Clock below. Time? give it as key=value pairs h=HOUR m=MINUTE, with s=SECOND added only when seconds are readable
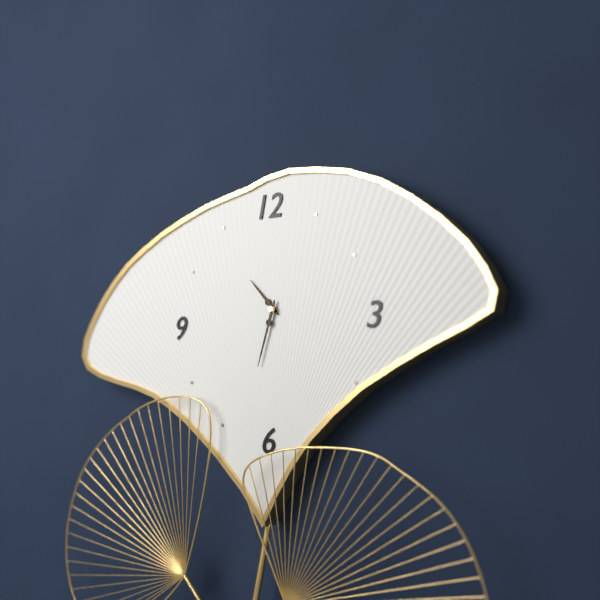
h=10 m=33
